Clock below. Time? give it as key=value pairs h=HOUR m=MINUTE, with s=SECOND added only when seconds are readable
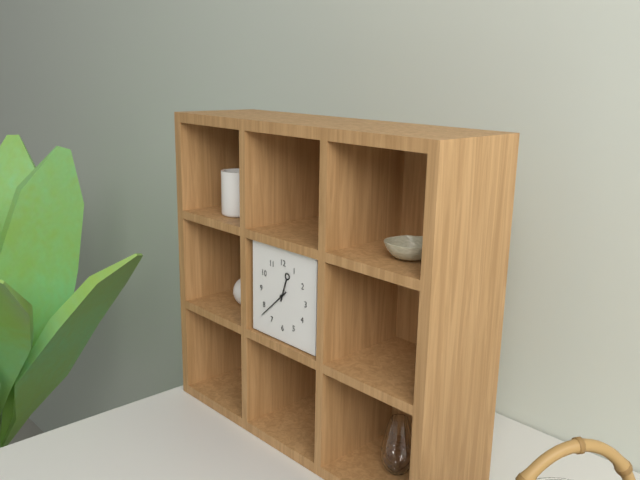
h=12 m=38
